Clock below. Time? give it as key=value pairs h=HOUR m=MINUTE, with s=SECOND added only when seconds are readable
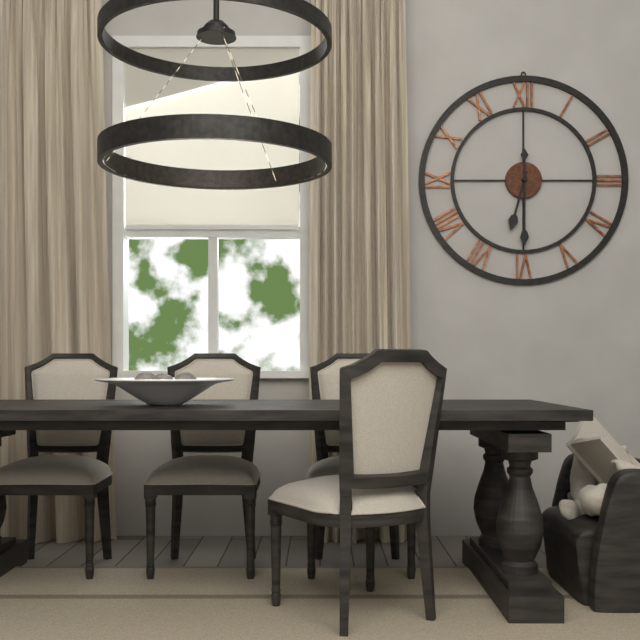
h=6 m=30
